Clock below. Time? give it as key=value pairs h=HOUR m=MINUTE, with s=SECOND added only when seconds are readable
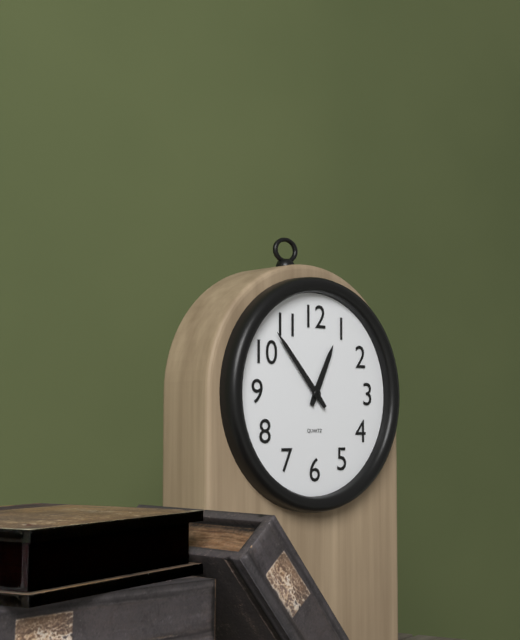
h=12 m=53
